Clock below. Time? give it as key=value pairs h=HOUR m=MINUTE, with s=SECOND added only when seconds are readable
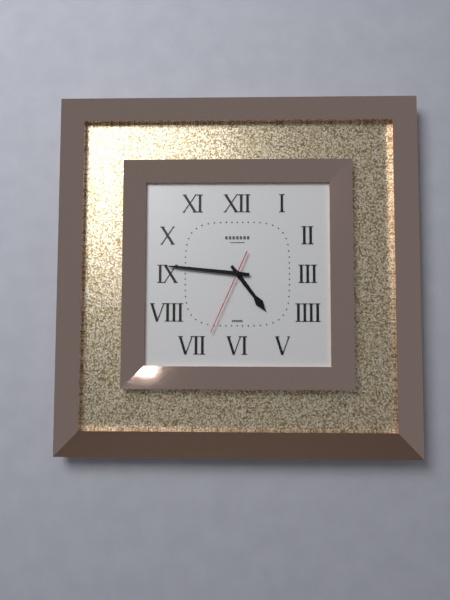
h=4 m=46 s=34
